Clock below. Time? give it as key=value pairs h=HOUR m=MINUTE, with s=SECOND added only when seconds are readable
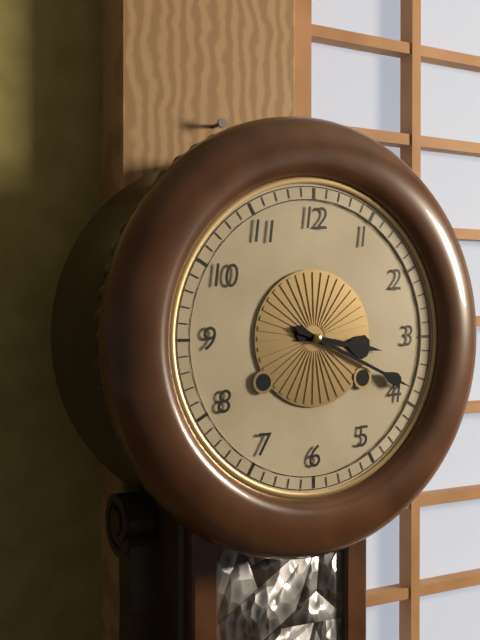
h=3 m=19
